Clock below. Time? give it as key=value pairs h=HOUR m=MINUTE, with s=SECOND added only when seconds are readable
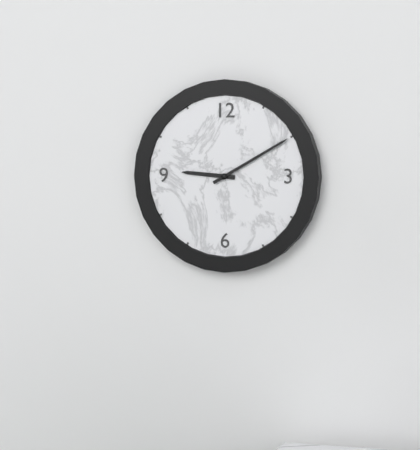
h=9 m=10
